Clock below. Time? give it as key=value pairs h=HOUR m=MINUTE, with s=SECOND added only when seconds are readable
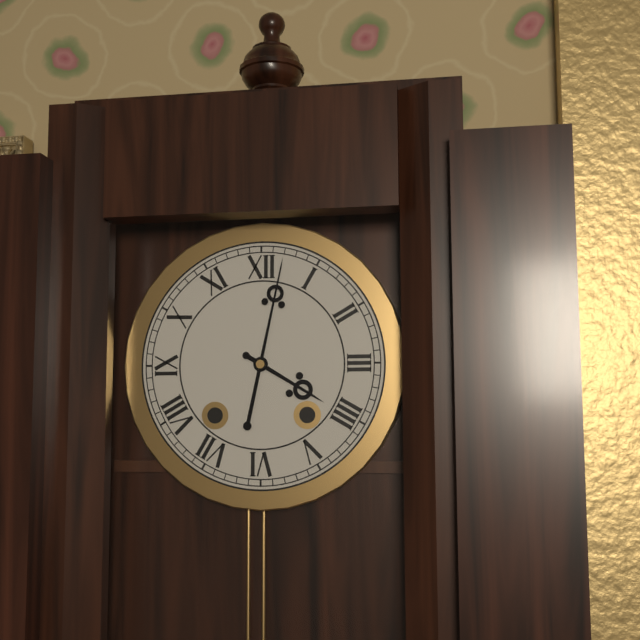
h=4 m=2
